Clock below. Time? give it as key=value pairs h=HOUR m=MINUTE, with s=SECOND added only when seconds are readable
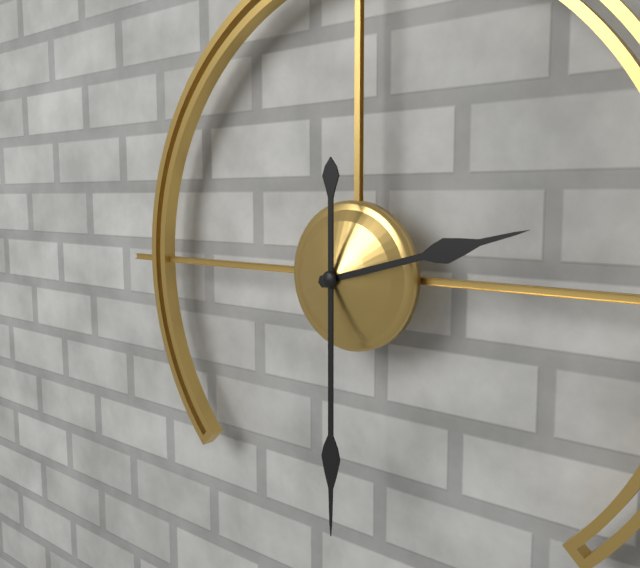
h=2 m=30
